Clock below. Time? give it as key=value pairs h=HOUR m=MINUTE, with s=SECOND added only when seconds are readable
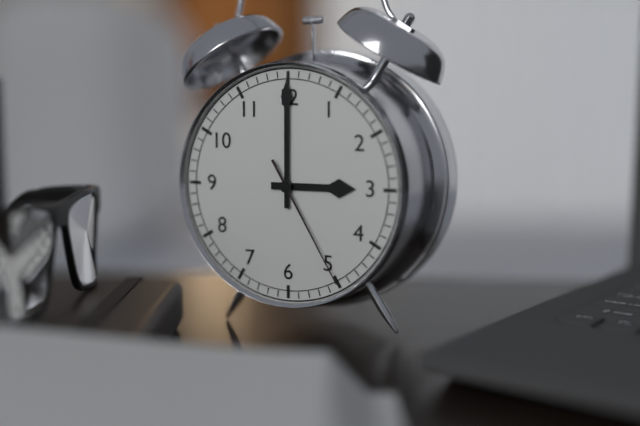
h=3 m=0 s=25
